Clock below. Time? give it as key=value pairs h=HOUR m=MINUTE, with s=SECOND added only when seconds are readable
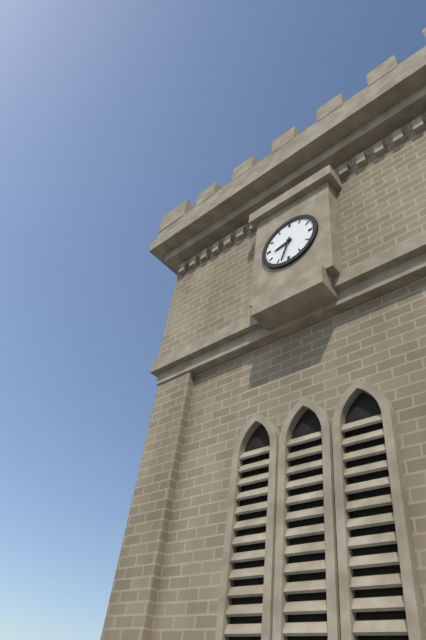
h=8 m=33
